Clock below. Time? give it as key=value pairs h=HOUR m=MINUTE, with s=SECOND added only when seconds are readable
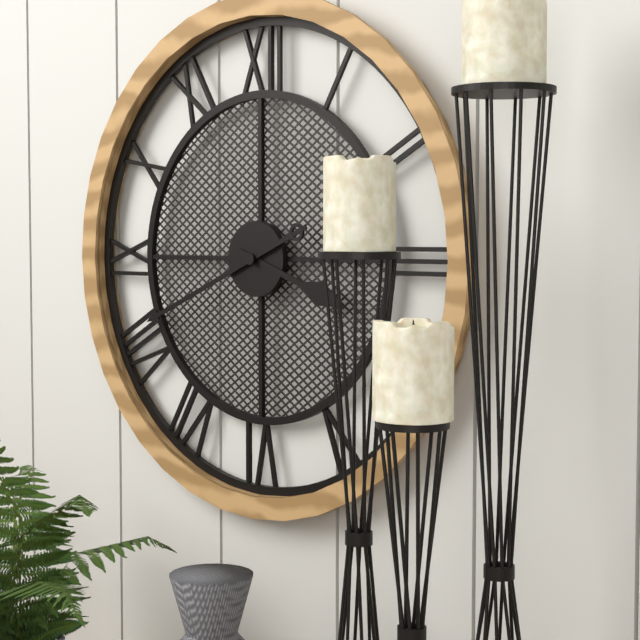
h=3 m=41
